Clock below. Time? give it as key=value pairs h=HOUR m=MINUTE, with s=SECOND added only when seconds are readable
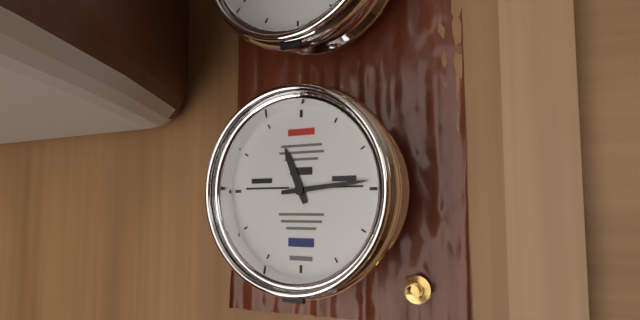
h=11 m=14
